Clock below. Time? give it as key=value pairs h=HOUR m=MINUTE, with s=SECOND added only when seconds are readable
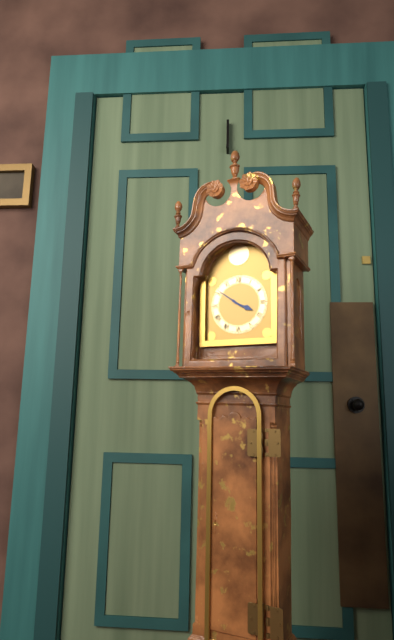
h=3 m=51
